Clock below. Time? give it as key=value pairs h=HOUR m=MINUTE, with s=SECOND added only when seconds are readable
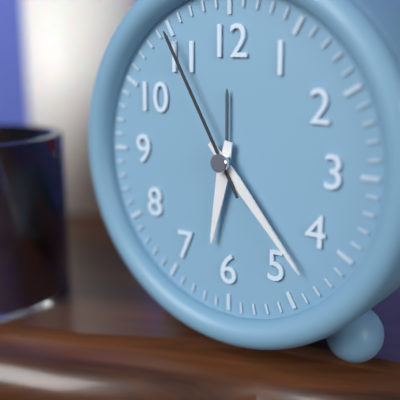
h=6 m=23 s=55
